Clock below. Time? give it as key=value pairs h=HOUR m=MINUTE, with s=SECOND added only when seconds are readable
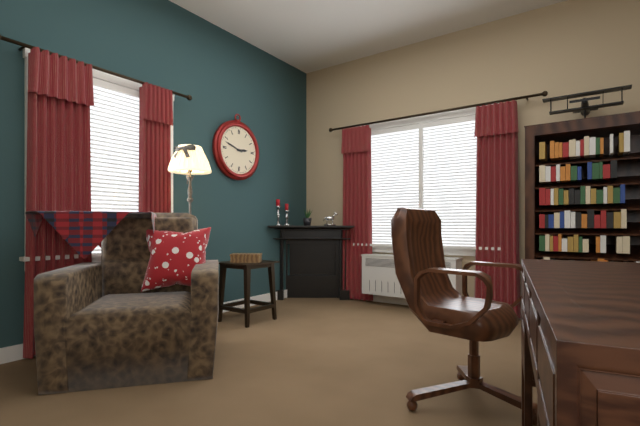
h=2 m=48
